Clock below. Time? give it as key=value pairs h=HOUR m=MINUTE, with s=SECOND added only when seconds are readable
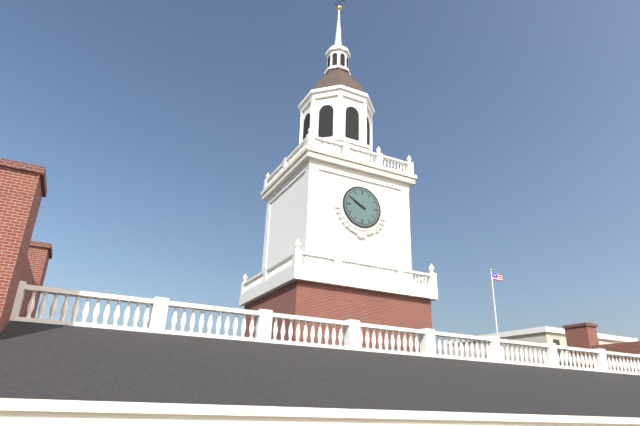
h=9 m=50
